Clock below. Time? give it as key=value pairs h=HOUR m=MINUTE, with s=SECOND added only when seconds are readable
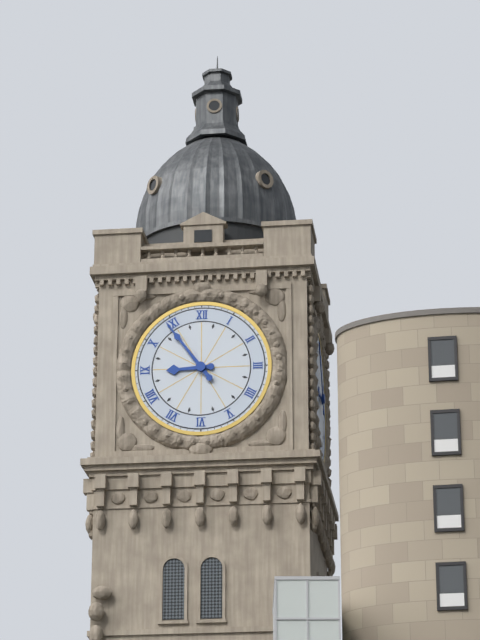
h=8 m=54
